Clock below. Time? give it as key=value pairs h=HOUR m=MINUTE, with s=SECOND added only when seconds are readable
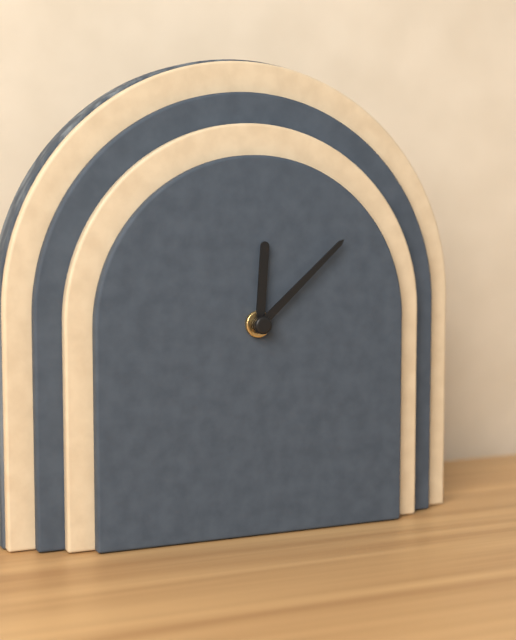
h=12 m=8
